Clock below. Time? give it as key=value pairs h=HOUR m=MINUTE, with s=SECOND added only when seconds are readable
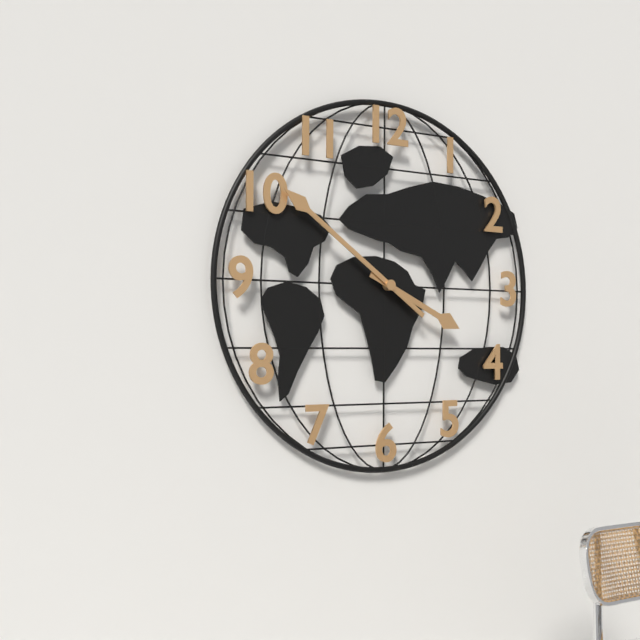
h=3 m=51
